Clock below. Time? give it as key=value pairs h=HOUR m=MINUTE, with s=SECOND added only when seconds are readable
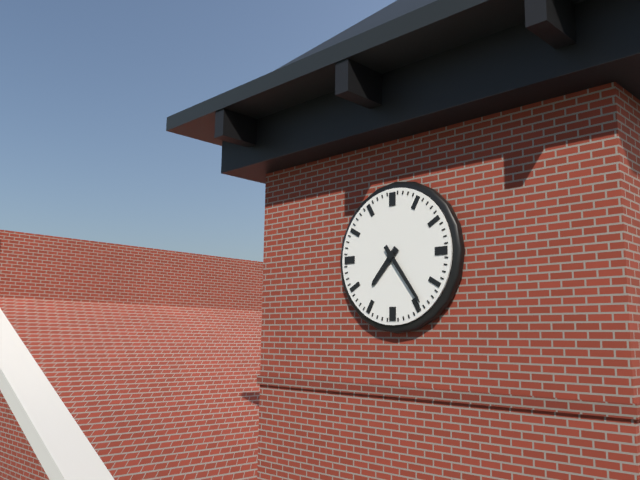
h=7 m=24
